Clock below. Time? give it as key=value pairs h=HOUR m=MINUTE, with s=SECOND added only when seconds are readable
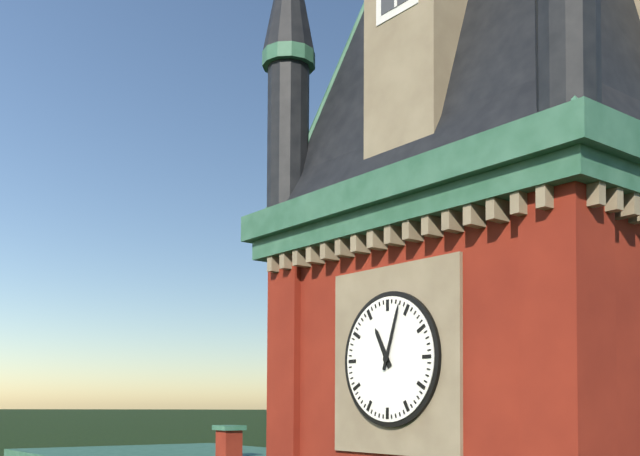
h=11 m=3
